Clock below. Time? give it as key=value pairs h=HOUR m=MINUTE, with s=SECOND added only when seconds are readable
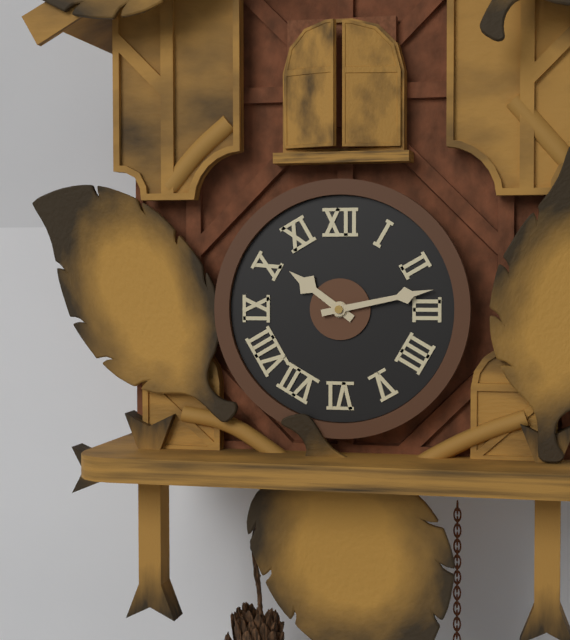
h=10 m=13
